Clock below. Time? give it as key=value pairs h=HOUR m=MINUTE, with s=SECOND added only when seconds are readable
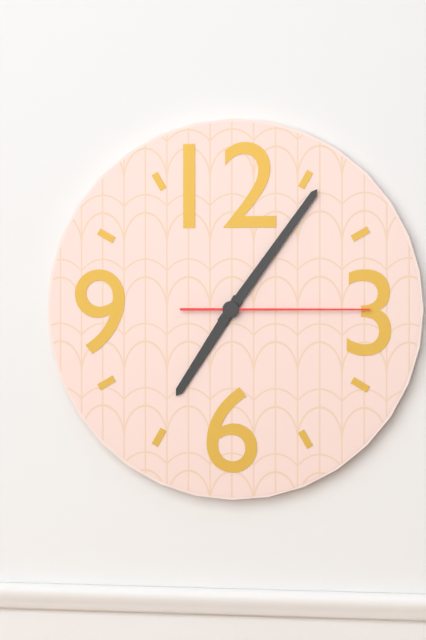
h=7 m=6 s=15
